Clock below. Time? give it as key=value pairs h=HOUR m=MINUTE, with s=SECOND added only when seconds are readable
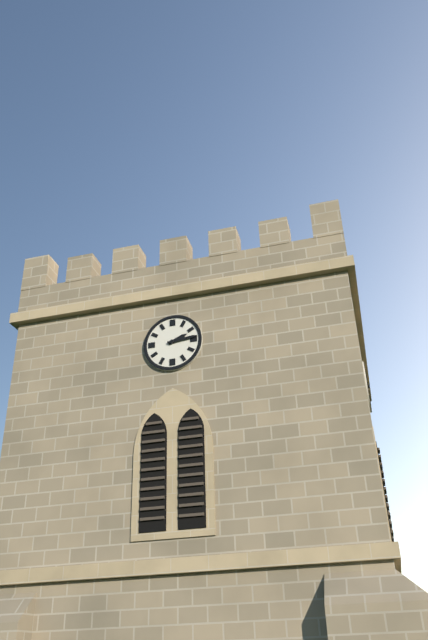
h=2 m=14
